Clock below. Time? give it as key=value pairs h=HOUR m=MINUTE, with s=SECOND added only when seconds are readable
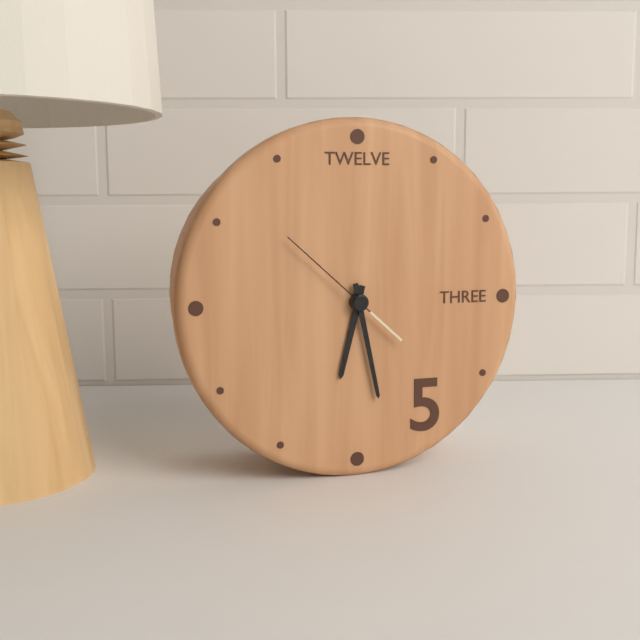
h=6 m=28 s=52
